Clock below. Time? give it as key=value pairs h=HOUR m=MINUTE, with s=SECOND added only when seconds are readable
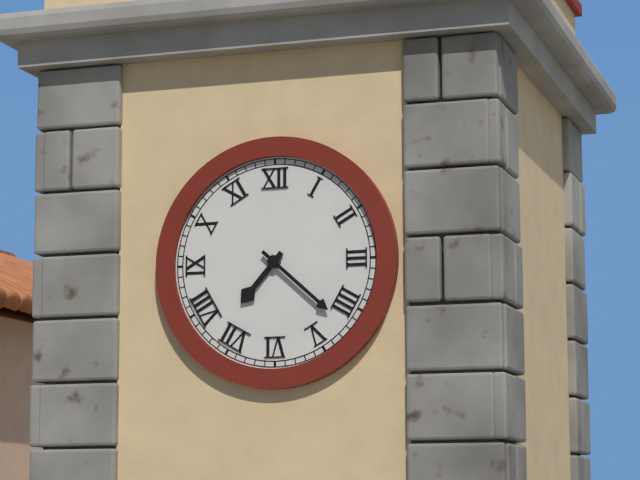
h=7 m=22
